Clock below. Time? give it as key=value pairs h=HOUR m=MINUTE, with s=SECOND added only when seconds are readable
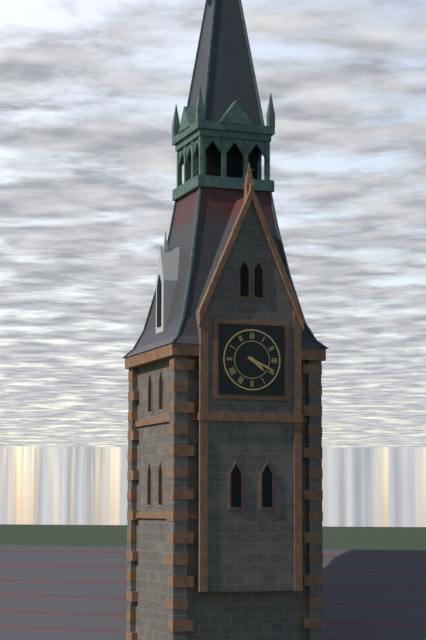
h=4 m=19
